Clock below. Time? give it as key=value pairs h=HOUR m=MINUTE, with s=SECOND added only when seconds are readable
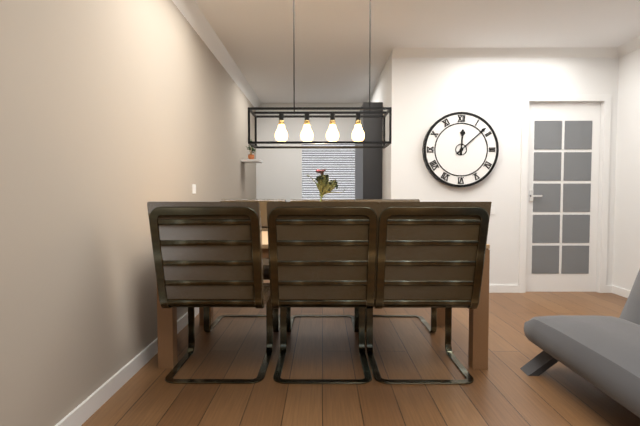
h=12 m=8
